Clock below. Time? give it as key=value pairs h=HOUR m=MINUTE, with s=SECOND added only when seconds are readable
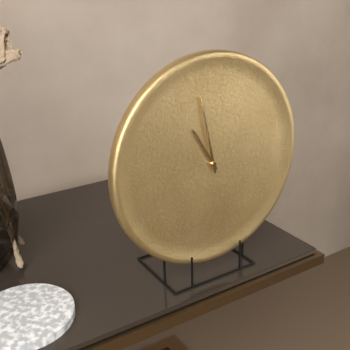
h=10 m=58
